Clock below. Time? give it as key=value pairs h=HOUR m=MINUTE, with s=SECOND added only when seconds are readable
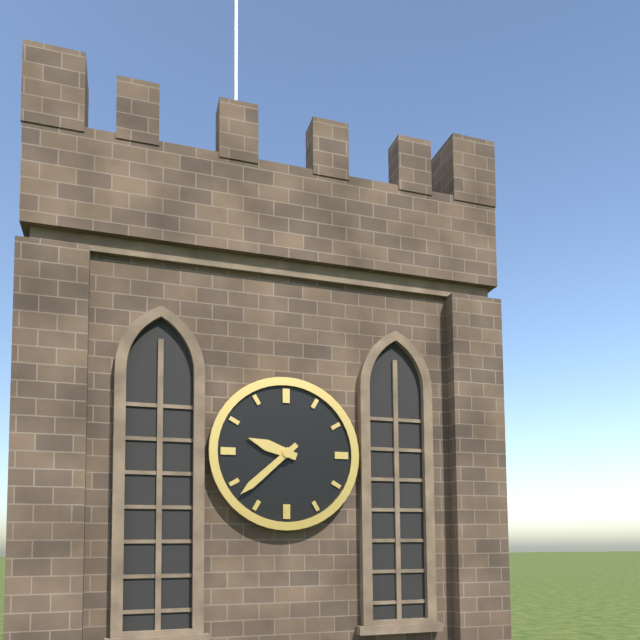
h=9 m=38
